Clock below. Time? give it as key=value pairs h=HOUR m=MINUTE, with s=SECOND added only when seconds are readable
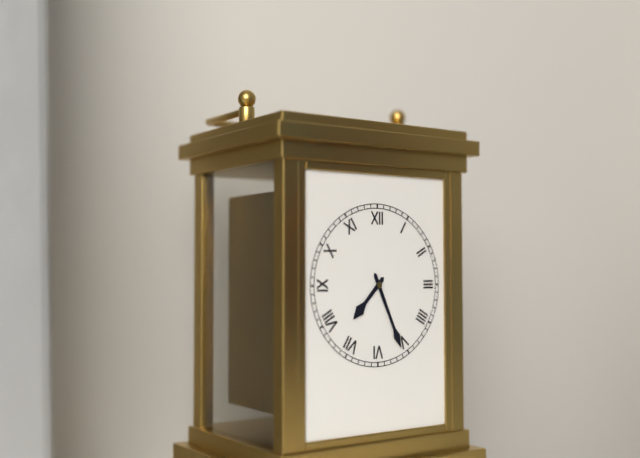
h=7 m=26
